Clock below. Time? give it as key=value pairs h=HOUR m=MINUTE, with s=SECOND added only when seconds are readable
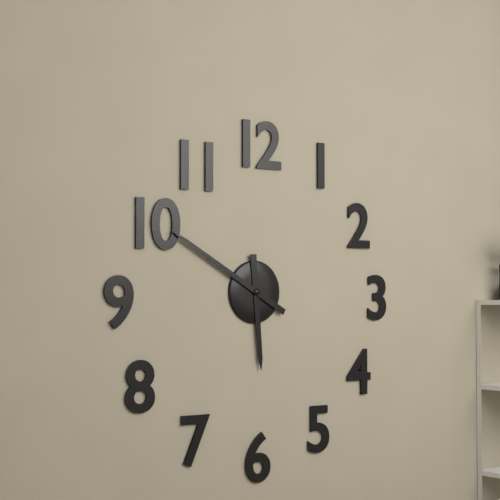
h=5 m=50
